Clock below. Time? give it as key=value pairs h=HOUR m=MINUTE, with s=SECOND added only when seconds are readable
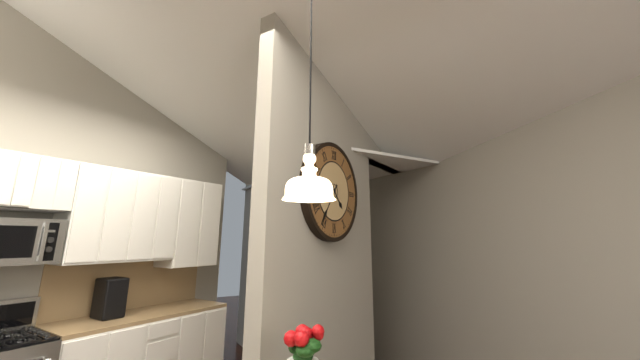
h=4 m=36
